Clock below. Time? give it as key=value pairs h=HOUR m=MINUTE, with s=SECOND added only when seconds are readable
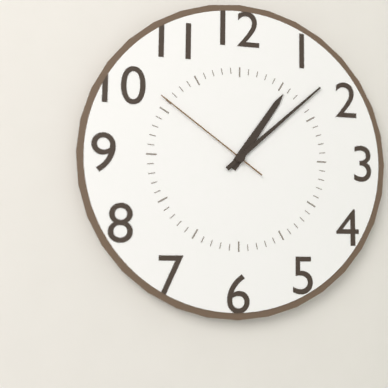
h=1 m=8 s=51
